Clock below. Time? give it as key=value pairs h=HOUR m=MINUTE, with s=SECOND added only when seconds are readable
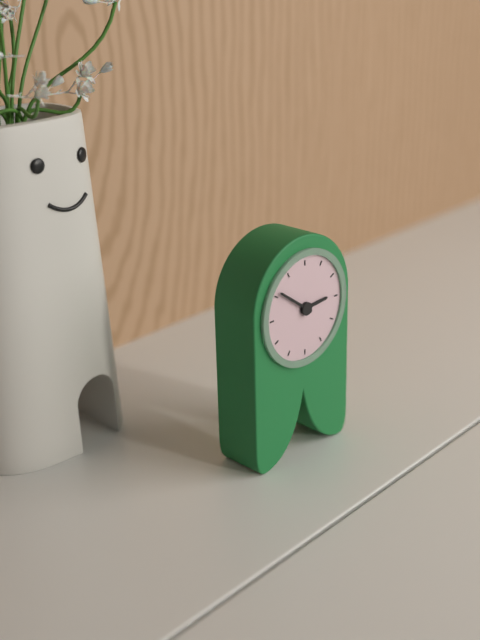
h=2 m=51
